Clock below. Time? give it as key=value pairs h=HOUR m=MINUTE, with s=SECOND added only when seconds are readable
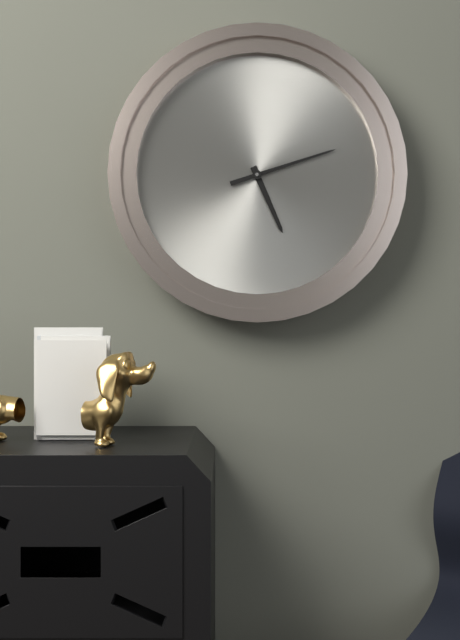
h=5 m=12
